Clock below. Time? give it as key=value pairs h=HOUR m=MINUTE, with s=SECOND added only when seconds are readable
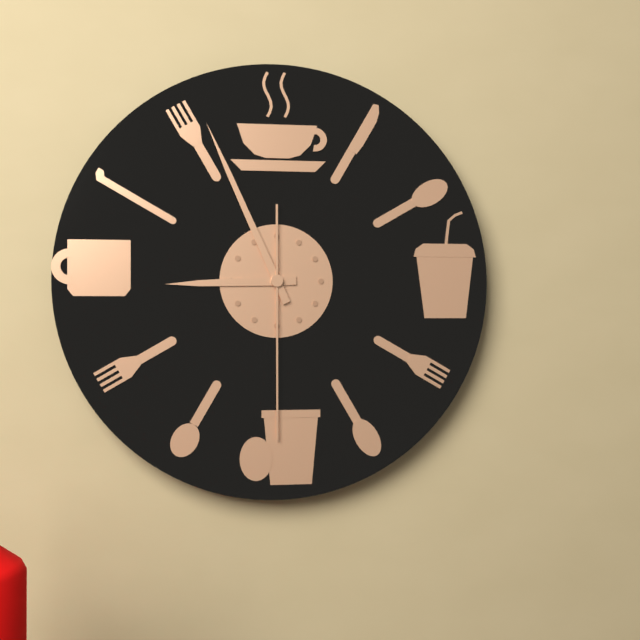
h=8 m=56 s=30
